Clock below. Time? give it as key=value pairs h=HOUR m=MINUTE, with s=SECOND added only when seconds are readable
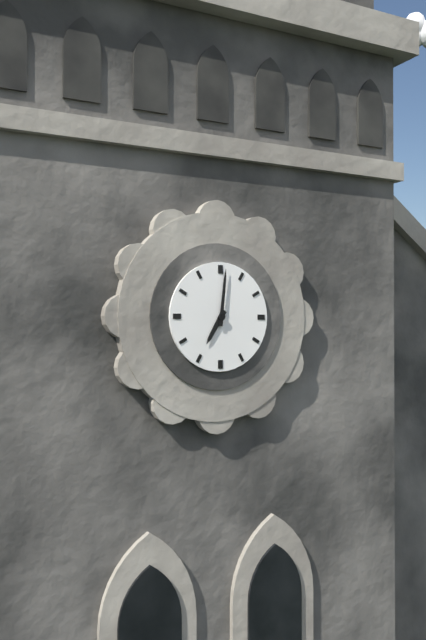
h=7 m=1
